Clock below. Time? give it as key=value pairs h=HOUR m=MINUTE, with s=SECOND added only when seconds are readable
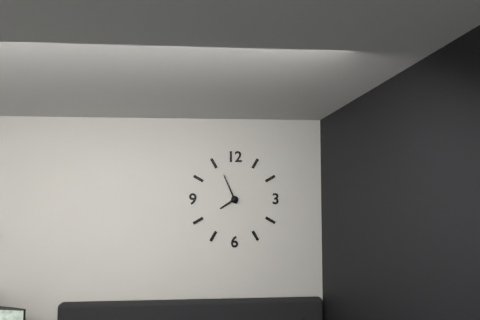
h=7 m=56
